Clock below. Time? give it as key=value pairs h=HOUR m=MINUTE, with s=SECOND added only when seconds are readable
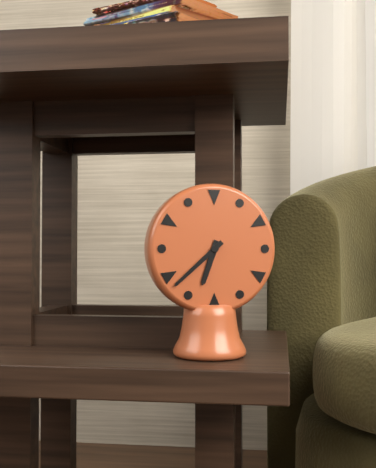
h=6 m=38
